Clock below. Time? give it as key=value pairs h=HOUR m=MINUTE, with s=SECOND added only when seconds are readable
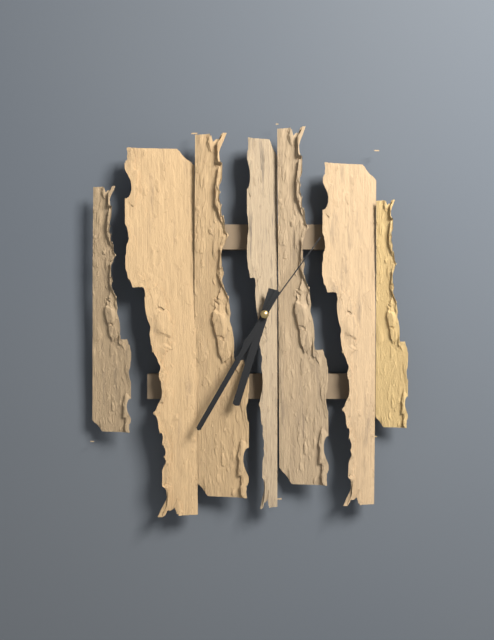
h=6 m=35 s=6
